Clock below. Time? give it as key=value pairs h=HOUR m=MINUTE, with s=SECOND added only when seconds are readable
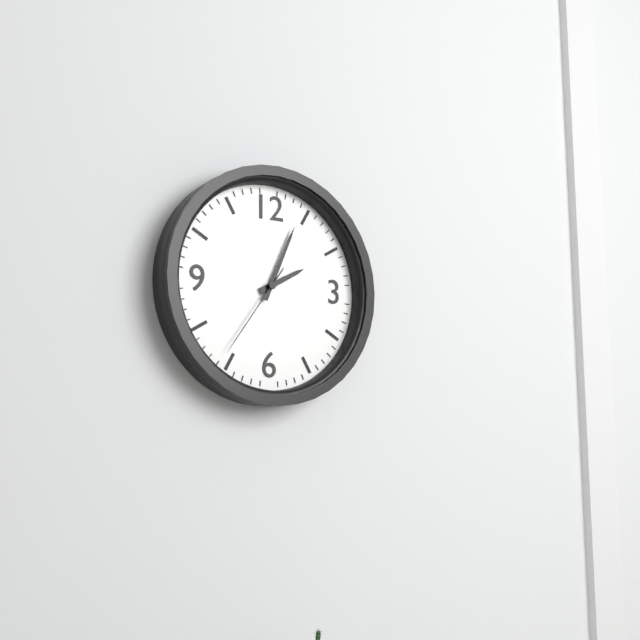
h=2 m=4 s=36
